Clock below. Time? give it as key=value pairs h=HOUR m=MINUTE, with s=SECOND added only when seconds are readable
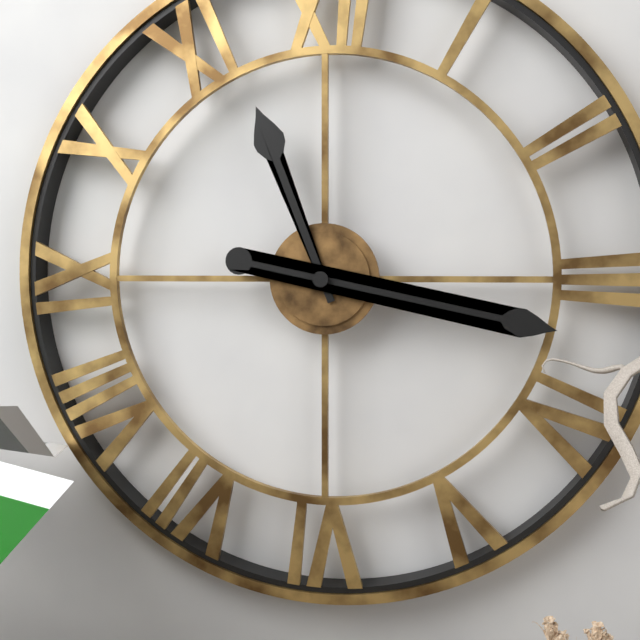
h=11 m=17
